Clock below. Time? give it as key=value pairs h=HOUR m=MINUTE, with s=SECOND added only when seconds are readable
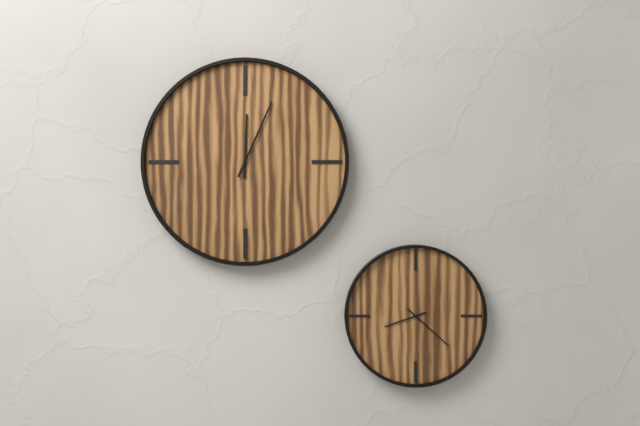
h=12 m=4
